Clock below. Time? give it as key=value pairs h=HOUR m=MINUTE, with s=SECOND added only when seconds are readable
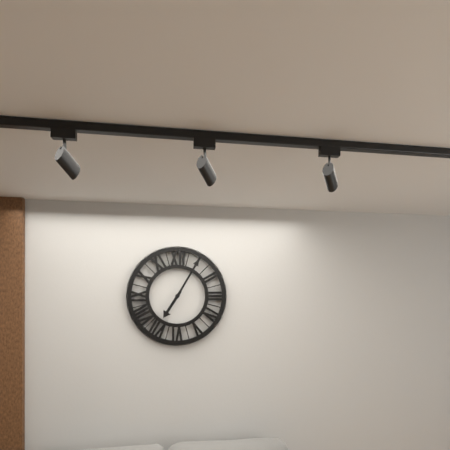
h=7 m=5
